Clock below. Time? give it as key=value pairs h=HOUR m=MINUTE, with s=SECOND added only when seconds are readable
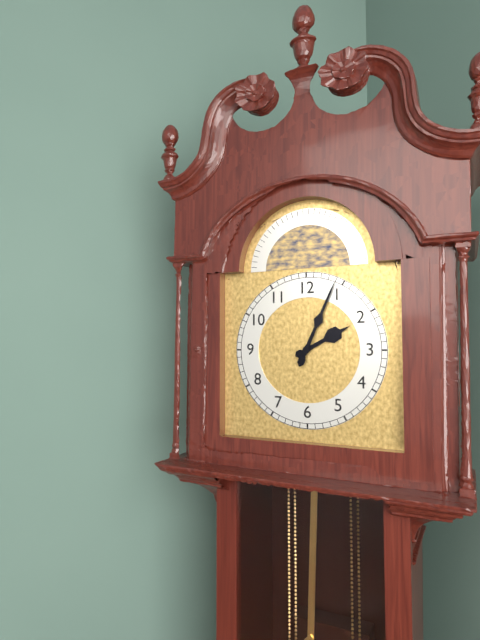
h=2 m=4
